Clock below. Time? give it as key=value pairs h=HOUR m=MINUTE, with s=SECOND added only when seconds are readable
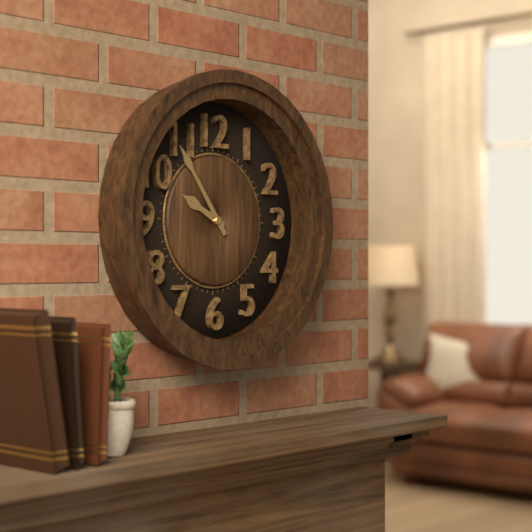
h=9 m=54
